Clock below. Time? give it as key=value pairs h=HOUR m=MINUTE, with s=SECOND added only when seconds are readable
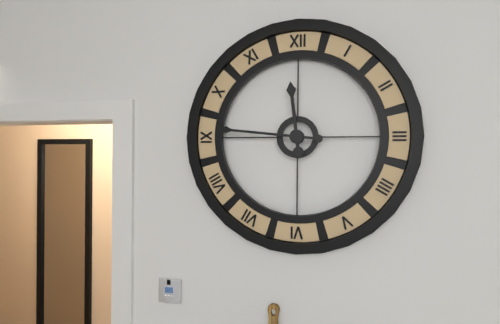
h=11 m=46
